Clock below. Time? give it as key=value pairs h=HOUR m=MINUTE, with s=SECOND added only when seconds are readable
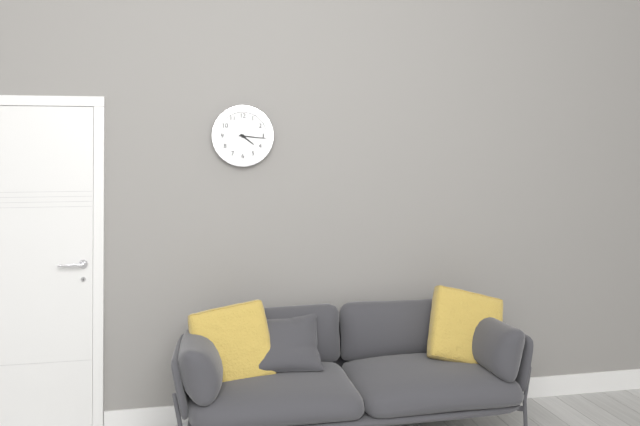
h=4 m=16
